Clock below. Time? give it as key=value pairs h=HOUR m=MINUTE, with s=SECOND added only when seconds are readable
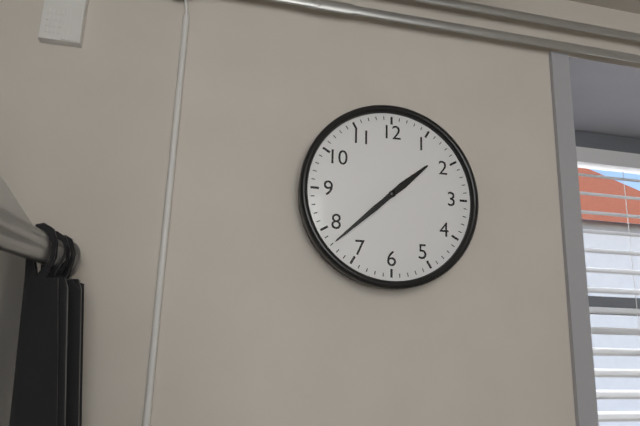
h=1 m=38
